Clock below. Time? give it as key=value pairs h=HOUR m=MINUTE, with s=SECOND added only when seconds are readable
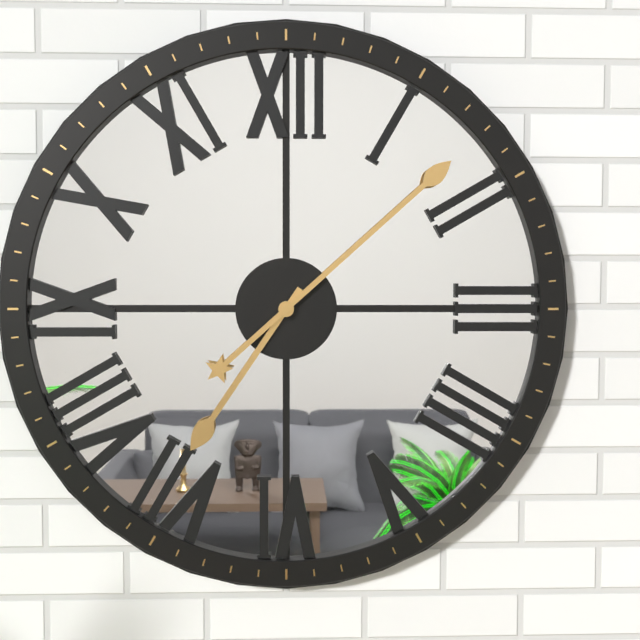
h=7 m=8
